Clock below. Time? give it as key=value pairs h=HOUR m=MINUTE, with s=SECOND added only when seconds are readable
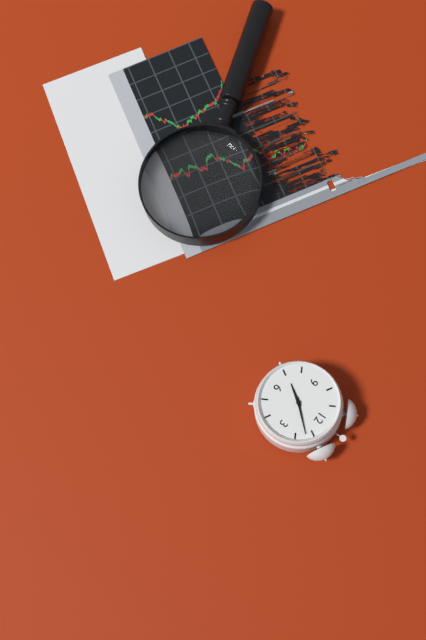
h=7 m=7
